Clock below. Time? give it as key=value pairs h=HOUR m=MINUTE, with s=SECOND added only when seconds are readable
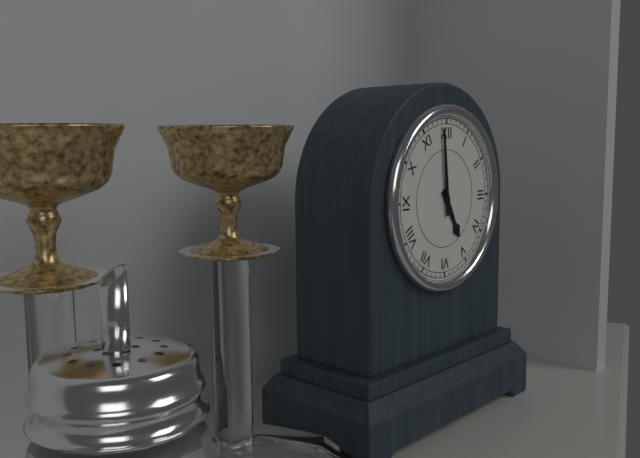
h=4 m=59
